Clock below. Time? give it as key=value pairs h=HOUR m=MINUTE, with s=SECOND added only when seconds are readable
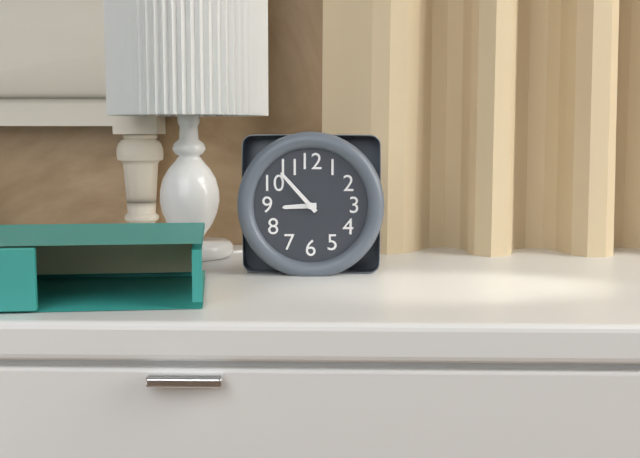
h=8 m=53
